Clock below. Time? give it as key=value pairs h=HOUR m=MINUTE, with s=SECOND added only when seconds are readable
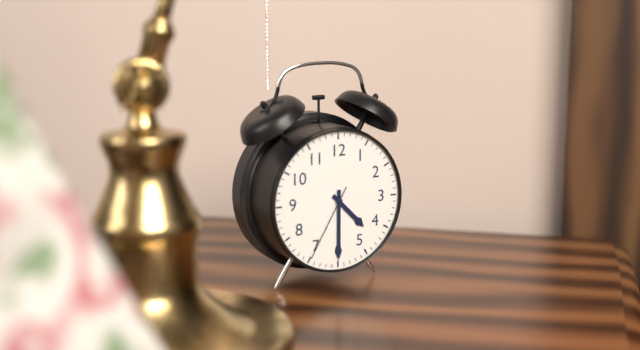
h=4 m=30 s=35
